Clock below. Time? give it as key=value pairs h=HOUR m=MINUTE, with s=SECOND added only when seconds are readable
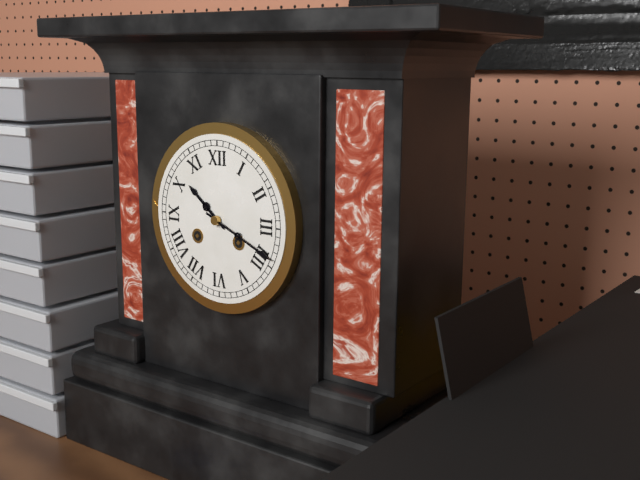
h=10 m=19
